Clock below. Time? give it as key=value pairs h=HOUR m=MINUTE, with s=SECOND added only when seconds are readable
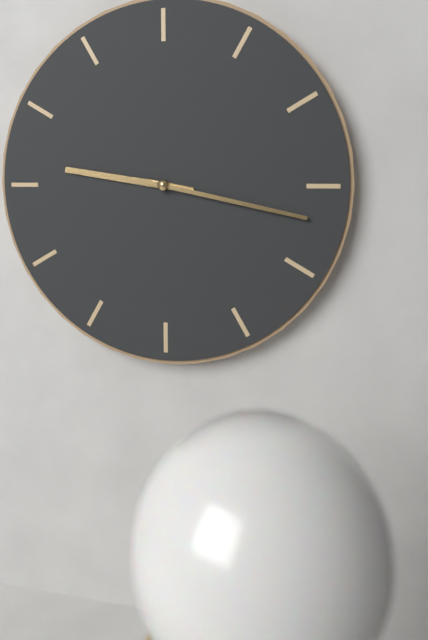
h=9 m=17
